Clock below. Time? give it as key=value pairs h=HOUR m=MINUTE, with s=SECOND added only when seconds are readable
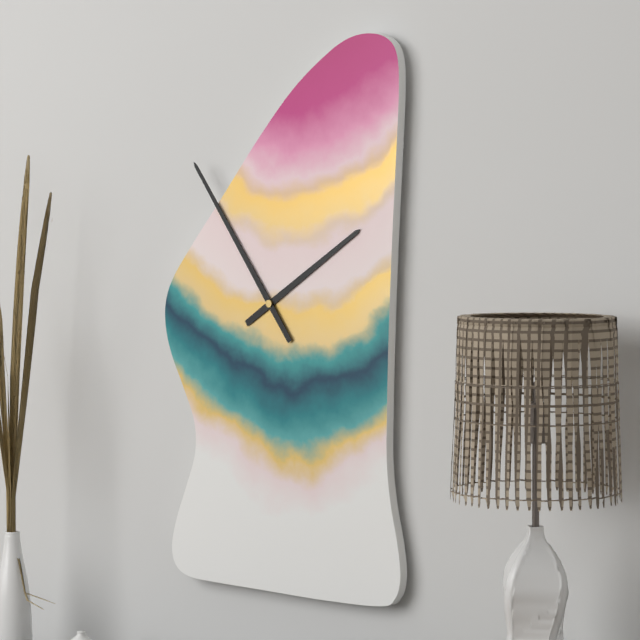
h=1 m=54
